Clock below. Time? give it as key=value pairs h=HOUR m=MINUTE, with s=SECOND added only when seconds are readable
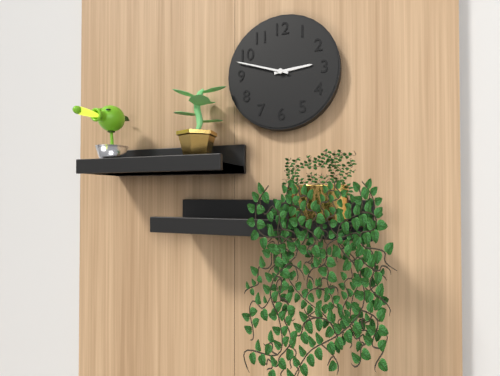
h=2 m=48
